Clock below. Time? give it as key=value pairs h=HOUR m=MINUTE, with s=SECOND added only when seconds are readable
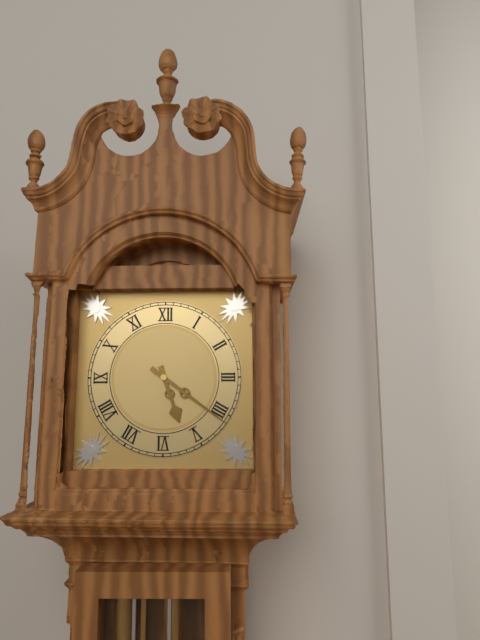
h=5 m=21
